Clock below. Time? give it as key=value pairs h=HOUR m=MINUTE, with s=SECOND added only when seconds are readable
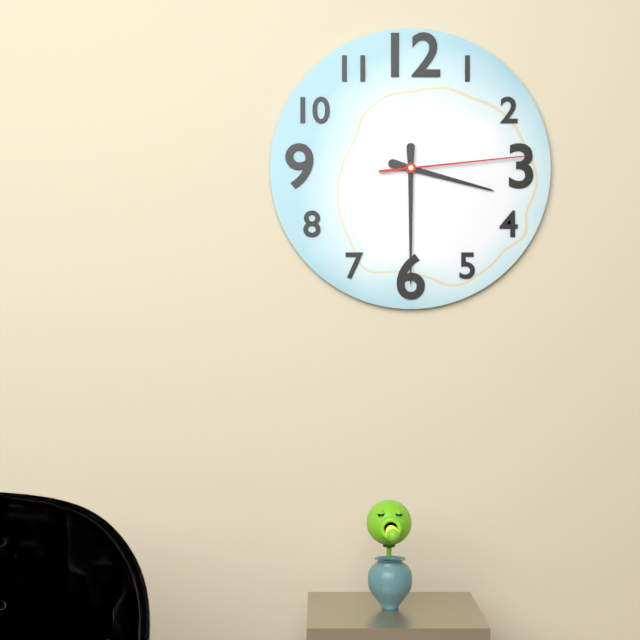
h=3 m=30 s=14
